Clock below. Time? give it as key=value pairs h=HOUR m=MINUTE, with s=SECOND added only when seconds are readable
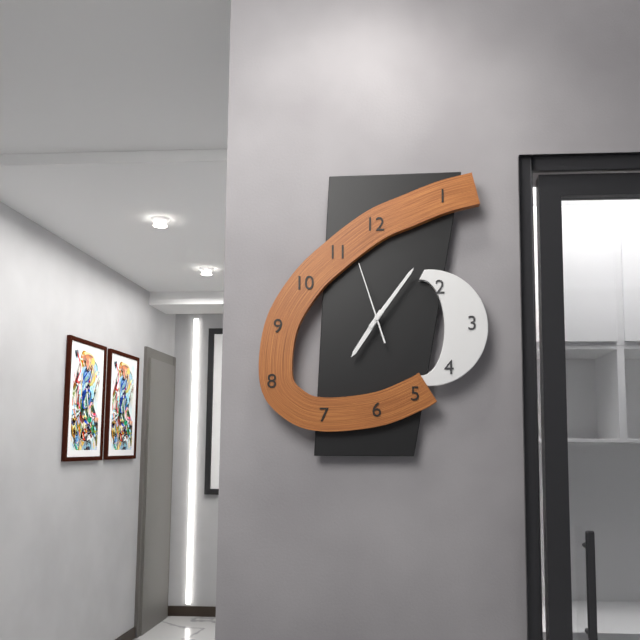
h=7 m=6 s=57
